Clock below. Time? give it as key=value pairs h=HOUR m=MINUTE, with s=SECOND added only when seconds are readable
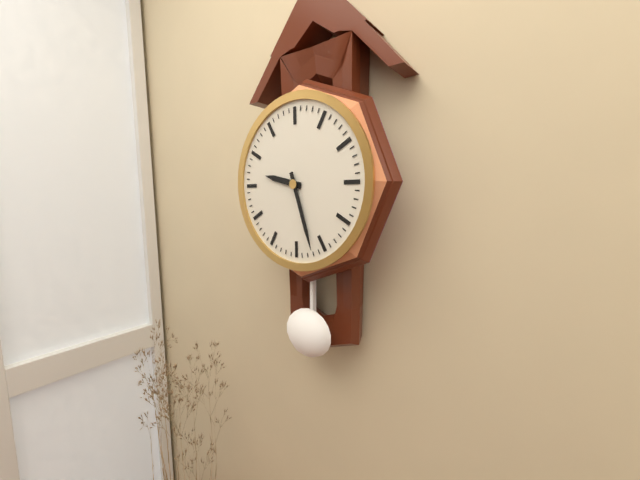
h=9 m=27
